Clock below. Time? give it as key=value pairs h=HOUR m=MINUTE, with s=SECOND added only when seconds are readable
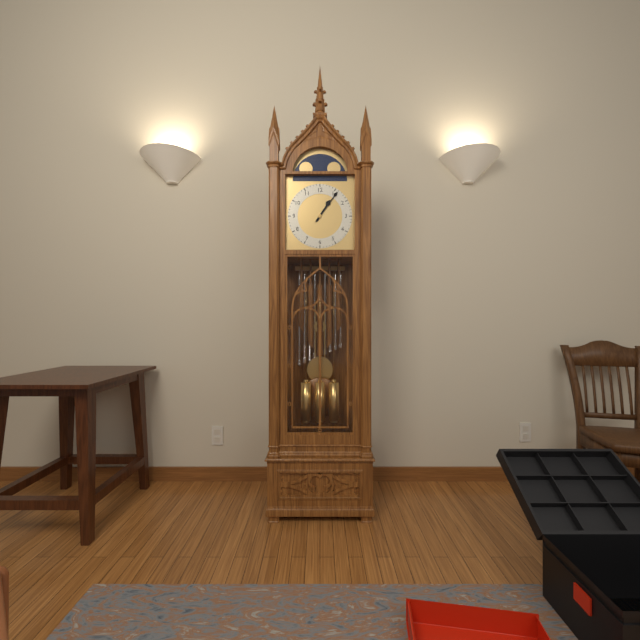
h=1 m=6
